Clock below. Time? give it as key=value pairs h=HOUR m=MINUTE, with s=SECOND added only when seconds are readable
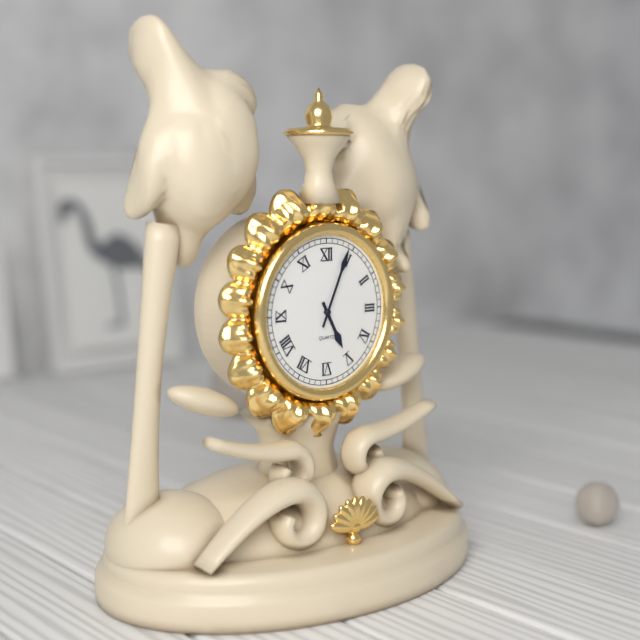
h=5 m=4
